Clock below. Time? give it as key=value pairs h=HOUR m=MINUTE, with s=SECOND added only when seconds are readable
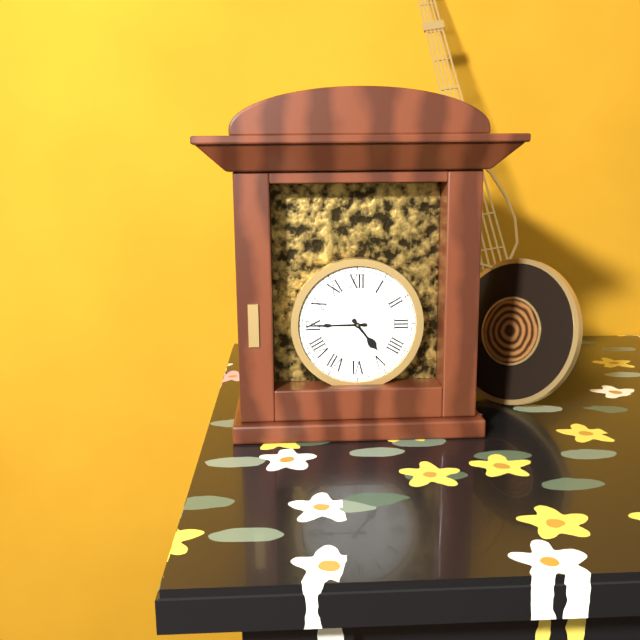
h=4 m=45
